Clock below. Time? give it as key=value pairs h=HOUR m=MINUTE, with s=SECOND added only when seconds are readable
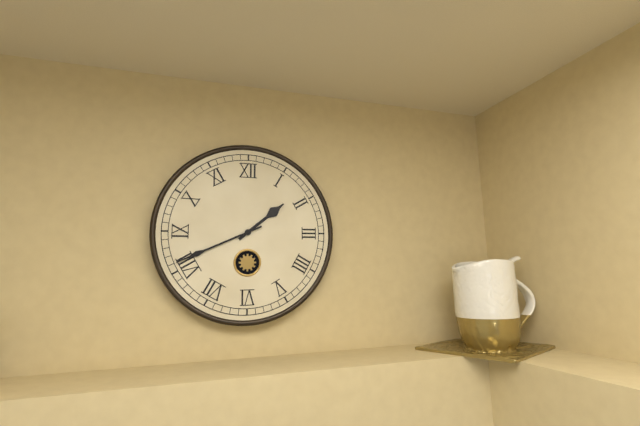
h=1 m=41
